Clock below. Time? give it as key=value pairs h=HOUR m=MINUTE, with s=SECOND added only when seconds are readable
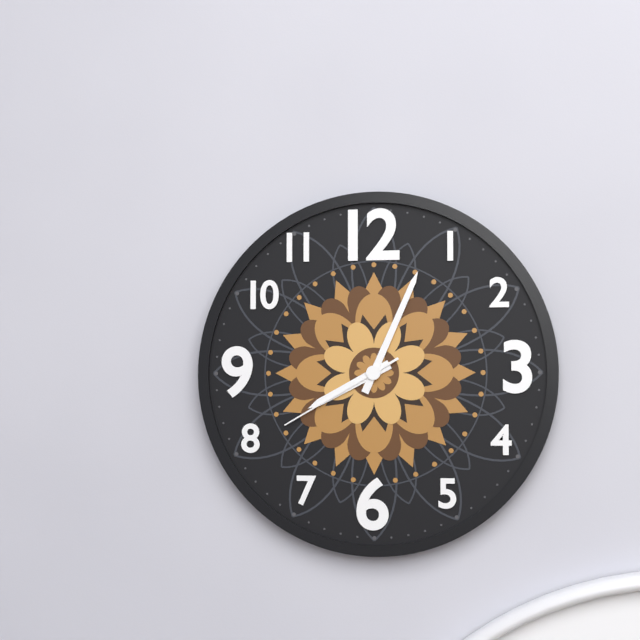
h=8 m=4 s=40
